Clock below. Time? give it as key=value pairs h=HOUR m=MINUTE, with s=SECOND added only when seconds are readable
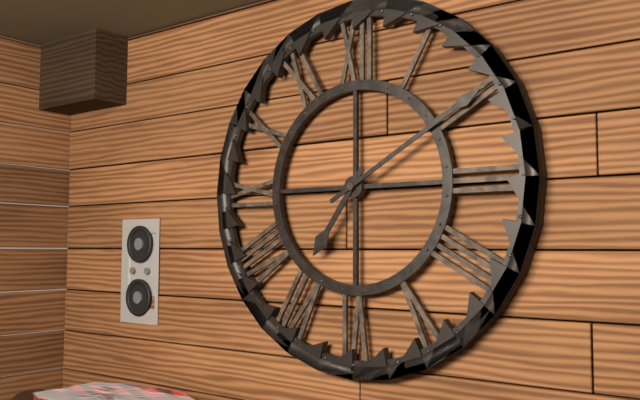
h=7 m=10
